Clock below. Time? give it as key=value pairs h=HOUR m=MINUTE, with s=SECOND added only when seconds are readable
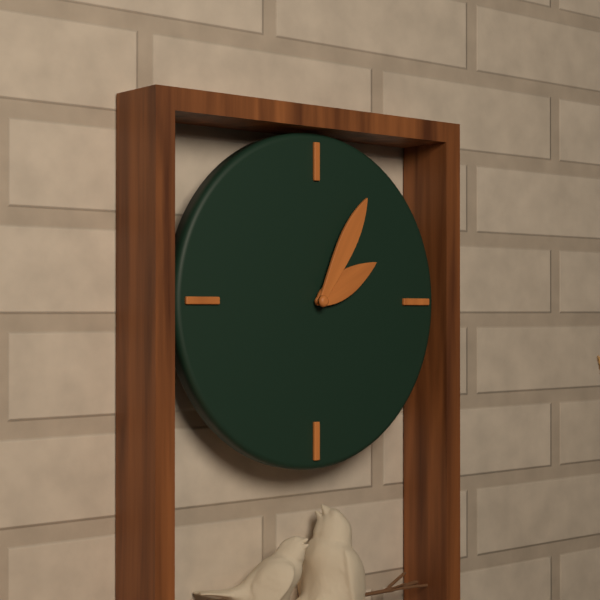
h=2 m=5
